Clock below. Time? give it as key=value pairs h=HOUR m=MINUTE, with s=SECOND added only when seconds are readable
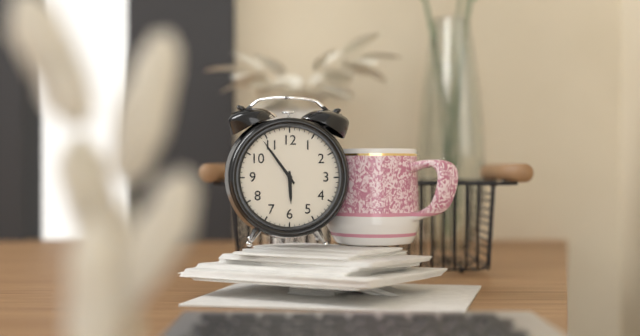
h=5 m=54
